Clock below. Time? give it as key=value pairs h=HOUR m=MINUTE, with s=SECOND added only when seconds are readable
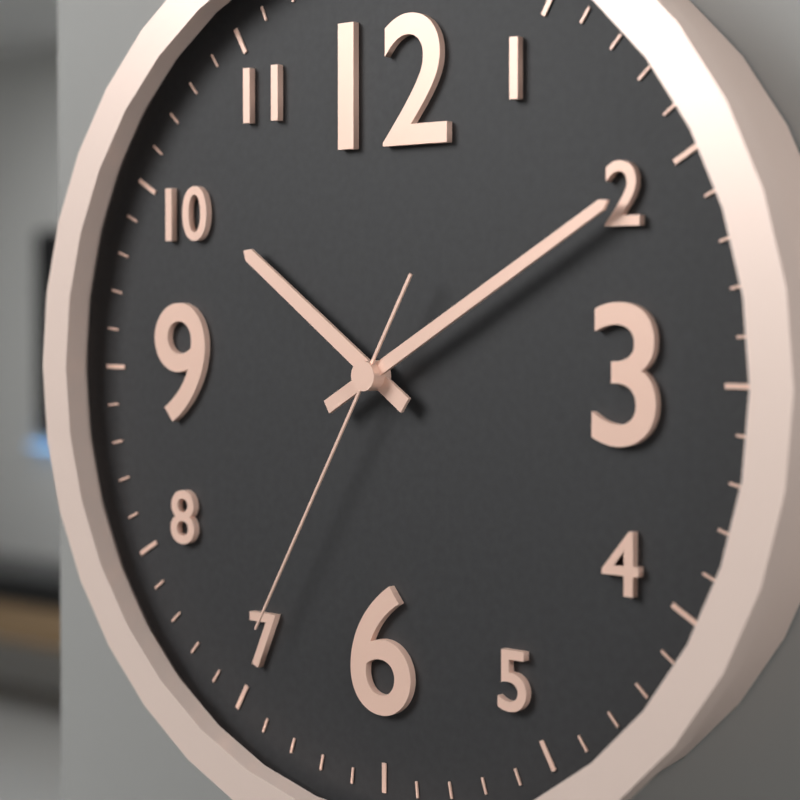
h=10 m=10 s=35
